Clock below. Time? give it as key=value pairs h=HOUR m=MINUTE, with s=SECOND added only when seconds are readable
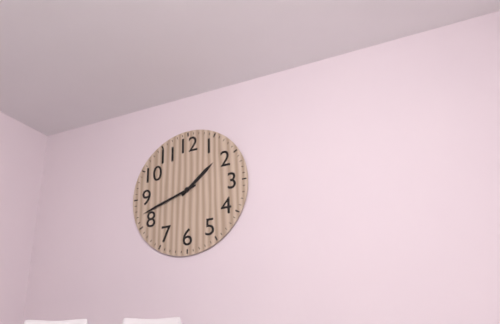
h=1 m=42
